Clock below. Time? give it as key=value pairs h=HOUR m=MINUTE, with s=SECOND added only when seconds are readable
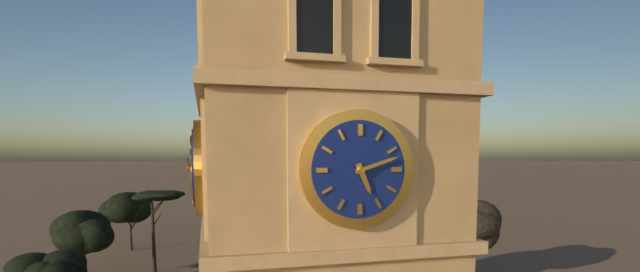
h=5 m=12
